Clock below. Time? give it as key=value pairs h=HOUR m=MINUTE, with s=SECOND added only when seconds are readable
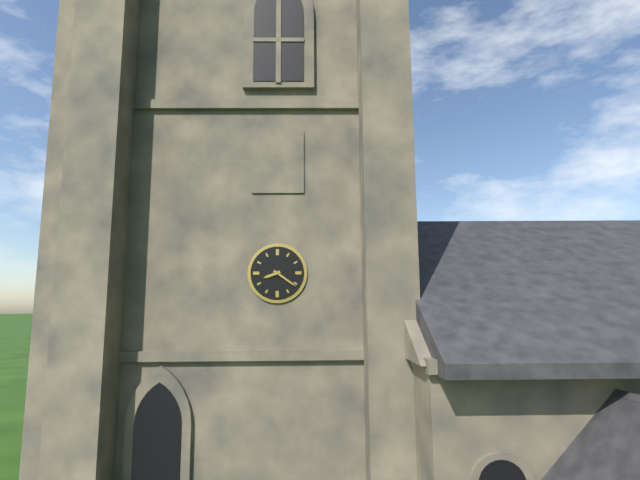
h=8 m=21
